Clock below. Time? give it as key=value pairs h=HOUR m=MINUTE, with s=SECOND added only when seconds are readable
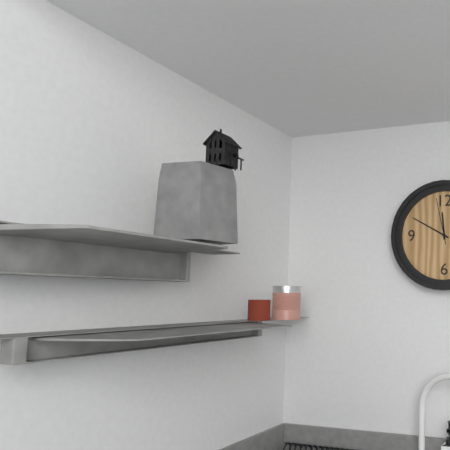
h=11 m=50
